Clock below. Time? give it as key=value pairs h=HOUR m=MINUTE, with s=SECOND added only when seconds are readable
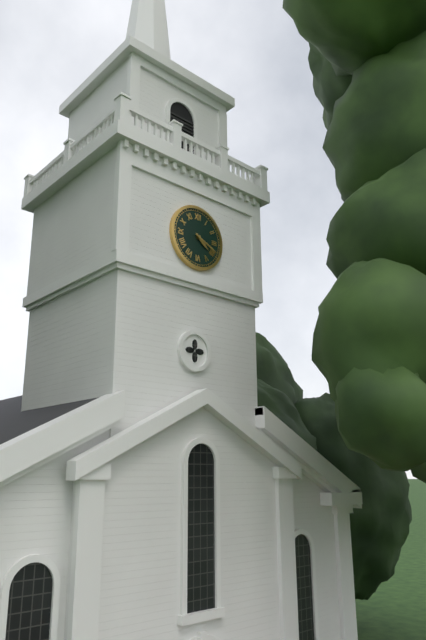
h=4 m=19
